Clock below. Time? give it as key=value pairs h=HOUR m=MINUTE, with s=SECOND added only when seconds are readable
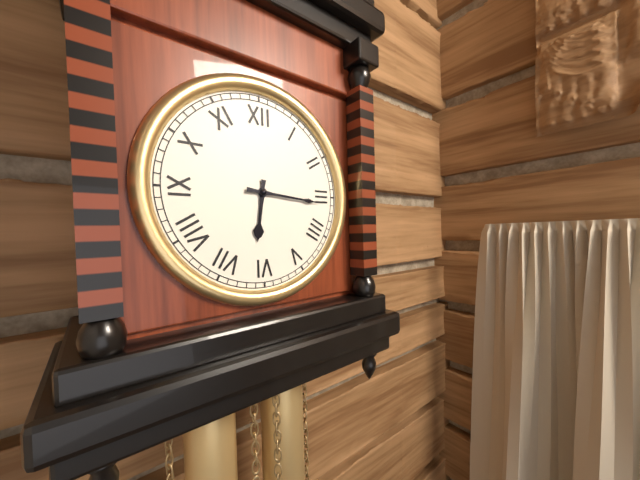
h=6 m=16
